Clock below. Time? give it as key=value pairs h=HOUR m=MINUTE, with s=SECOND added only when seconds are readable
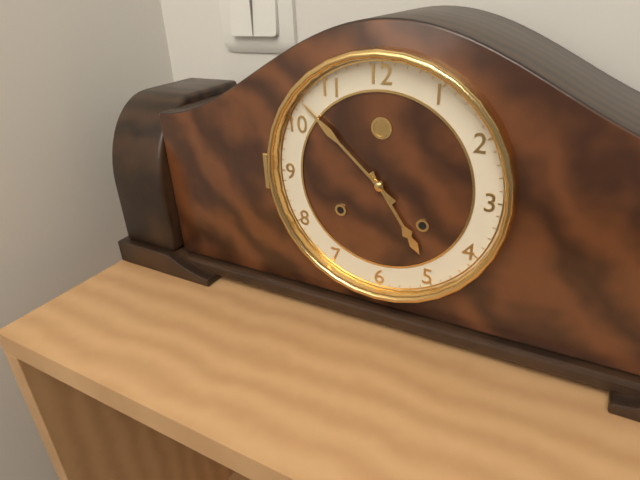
h=4 m=52
